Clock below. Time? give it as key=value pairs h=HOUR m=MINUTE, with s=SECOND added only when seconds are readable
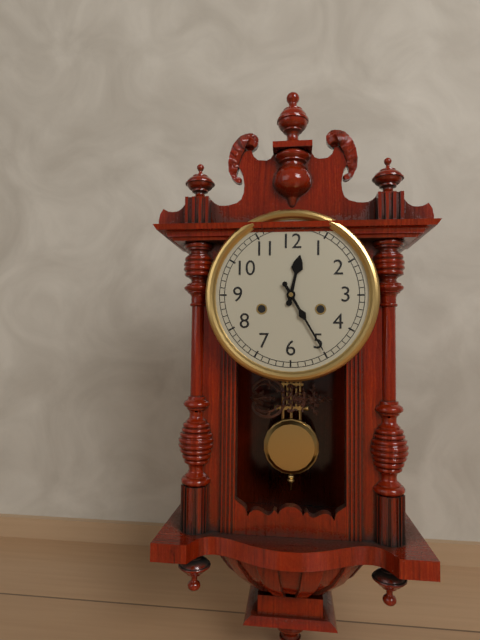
h=12 m=25
